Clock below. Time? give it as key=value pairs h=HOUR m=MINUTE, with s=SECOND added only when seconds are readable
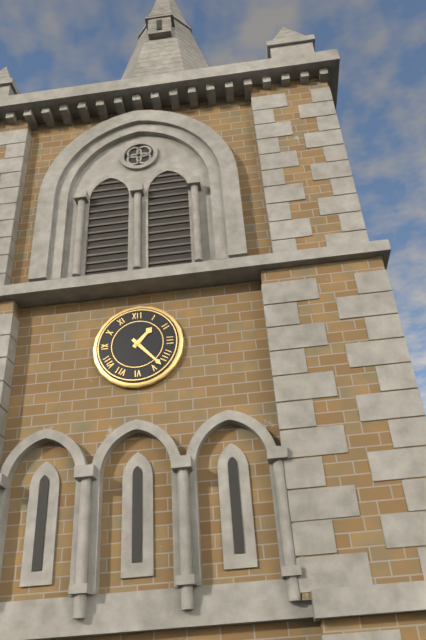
h=1 m=23
